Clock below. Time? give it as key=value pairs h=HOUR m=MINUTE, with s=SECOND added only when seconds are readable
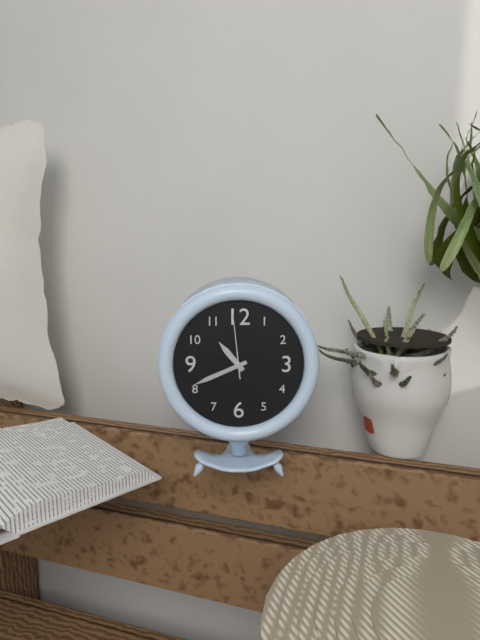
h=10 m=41 s=59
